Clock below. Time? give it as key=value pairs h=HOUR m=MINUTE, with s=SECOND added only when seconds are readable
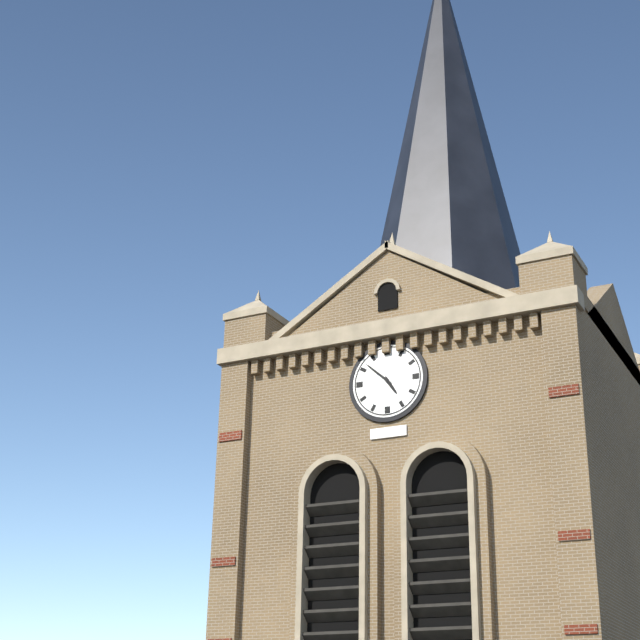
h=4 m=52
